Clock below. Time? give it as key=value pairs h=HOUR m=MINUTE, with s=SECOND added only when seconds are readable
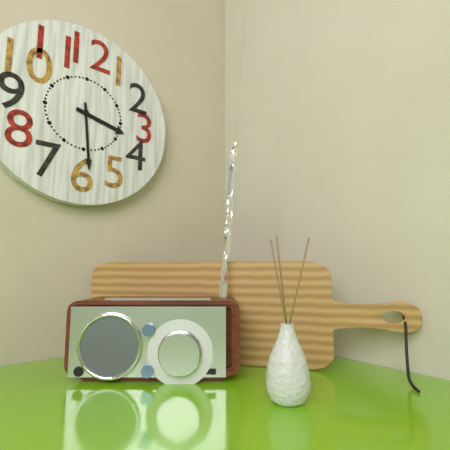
h=3 m=29
